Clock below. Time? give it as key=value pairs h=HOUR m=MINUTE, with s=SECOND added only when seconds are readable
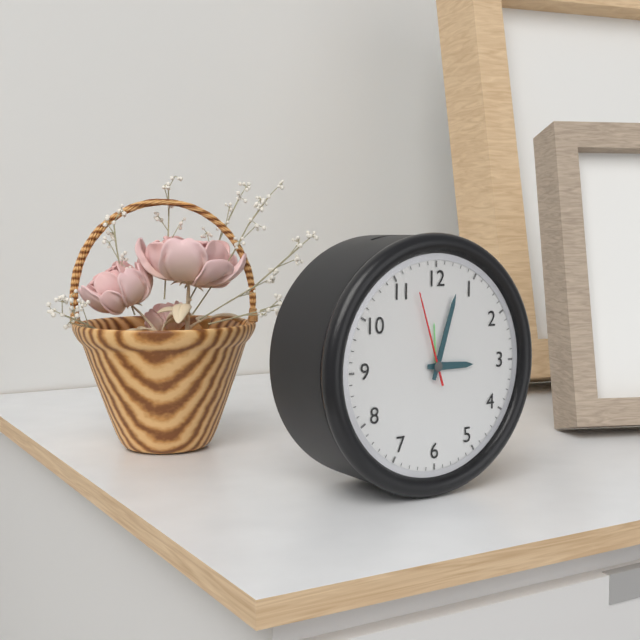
h=3 m=3 s=57
